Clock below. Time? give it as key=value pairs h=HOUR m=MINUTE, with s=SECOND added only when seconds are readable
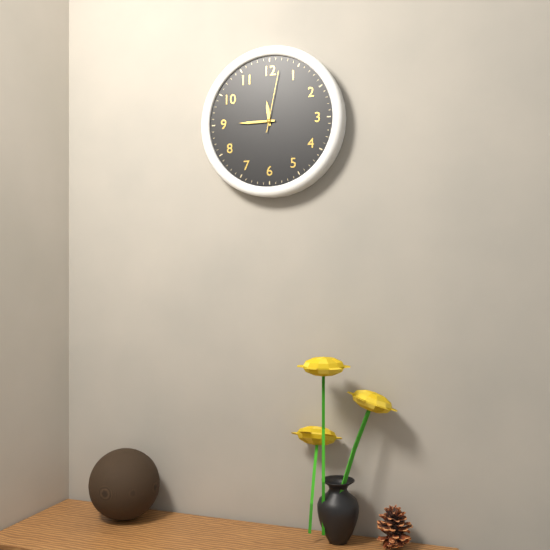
h=11 m=45 s=2
